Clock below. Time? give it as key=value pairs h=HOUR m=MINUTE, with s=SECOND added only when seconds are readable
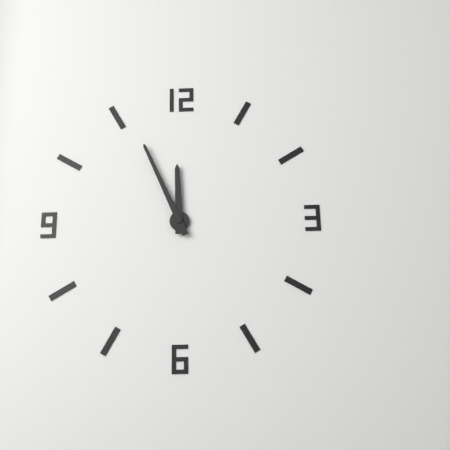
h=11 m=56
